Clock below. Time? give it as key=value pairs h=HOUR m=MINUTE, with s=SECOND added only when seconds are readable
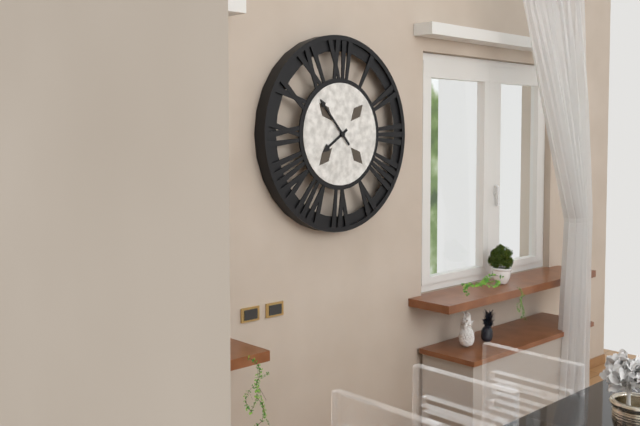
h=7 m=53
